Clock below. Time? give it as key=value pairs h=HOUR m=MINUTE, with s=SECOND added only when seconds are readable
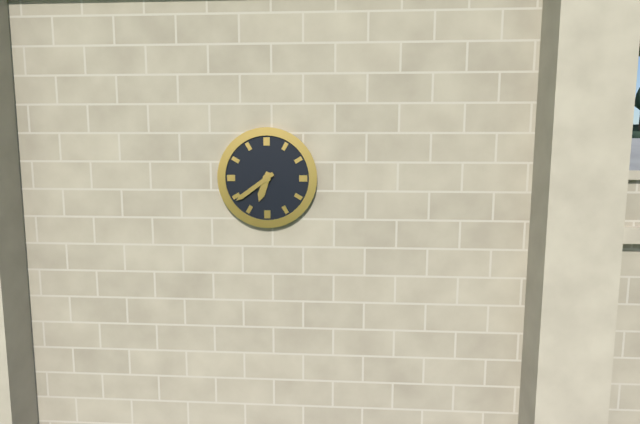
h=6 m=39
